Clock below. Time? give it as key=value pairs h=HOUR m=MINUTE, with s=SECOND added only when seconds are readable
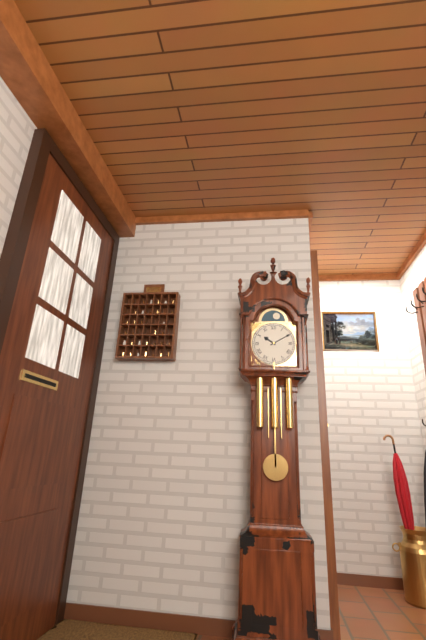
h=10 m=10
